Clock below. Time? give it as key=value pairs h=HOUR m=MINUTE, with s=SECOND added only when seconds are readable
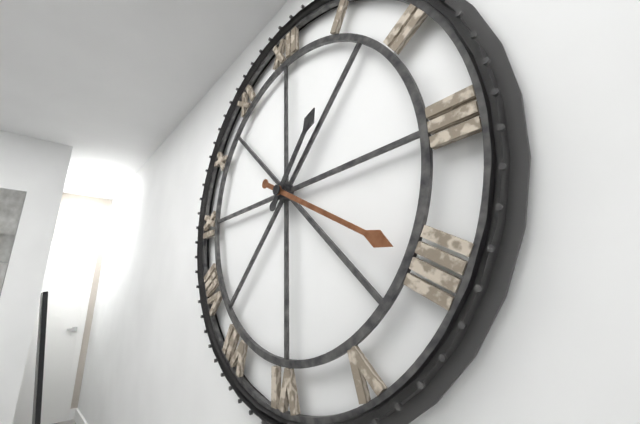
h=1 m=20
